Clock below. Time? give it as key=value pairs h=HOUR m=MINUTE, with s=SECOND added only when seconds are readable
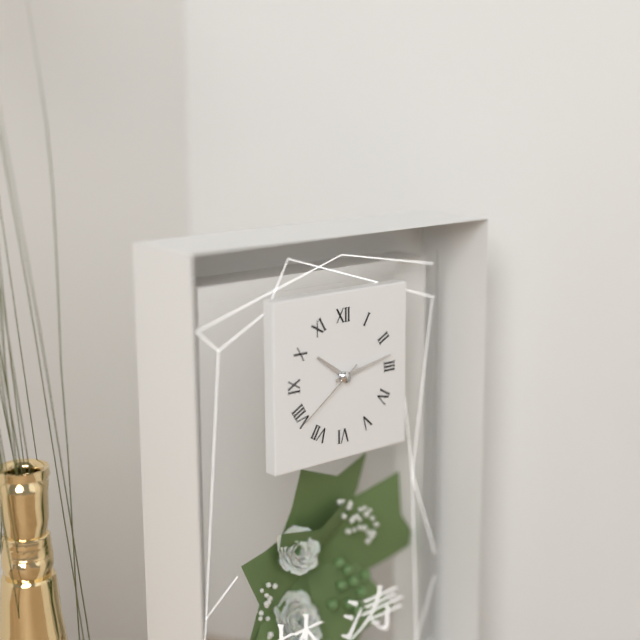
h=10 m=13 s=39
